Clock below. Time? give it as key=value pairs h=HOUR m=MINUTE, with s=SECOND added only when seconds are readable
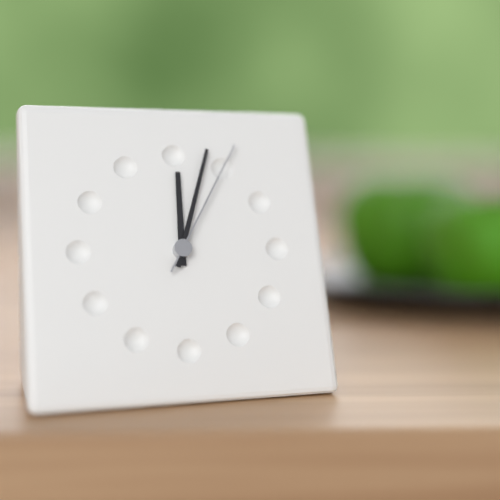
h=12 m=3 s=5
